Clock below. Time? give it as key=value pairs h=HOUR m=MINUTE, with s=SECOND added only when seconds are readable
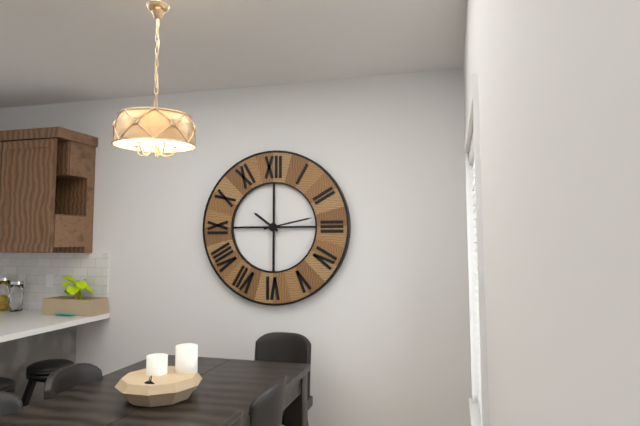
h=10 m=13
